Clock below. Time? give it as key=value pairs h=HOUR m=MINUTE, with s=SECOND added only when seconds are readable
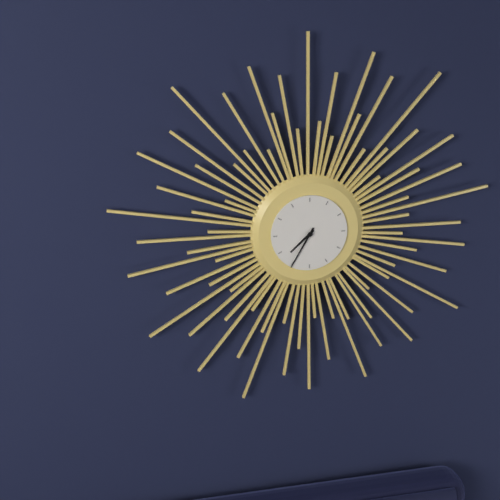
h=7 m=35
